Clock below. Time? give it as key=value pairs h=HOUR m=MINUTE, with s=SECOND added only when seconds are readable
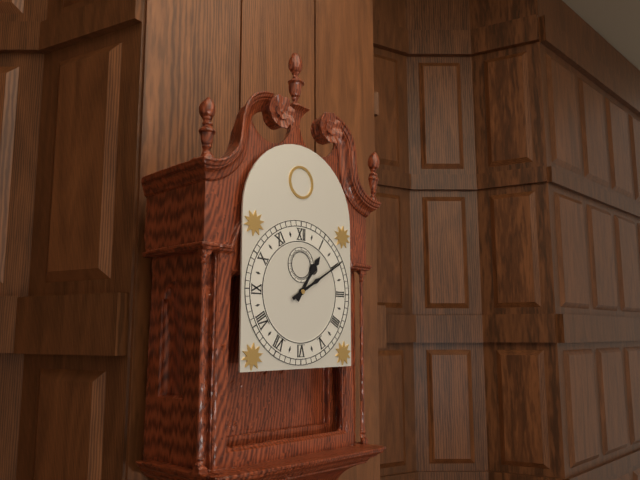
h=1 m=10
